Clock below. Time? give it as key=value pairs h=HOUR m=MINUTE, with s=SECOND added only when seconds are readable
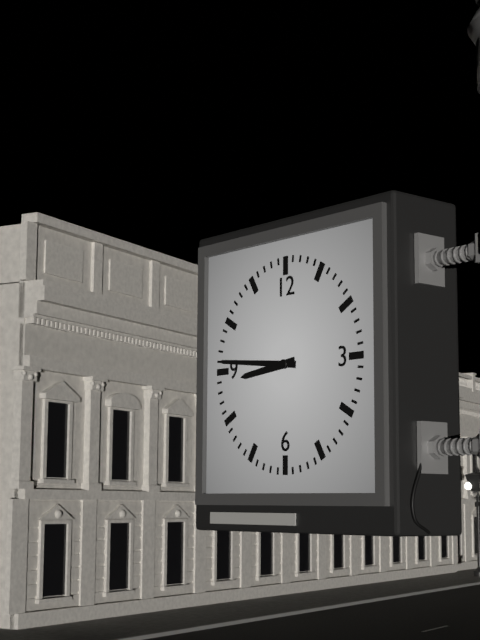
h=8 m=46
